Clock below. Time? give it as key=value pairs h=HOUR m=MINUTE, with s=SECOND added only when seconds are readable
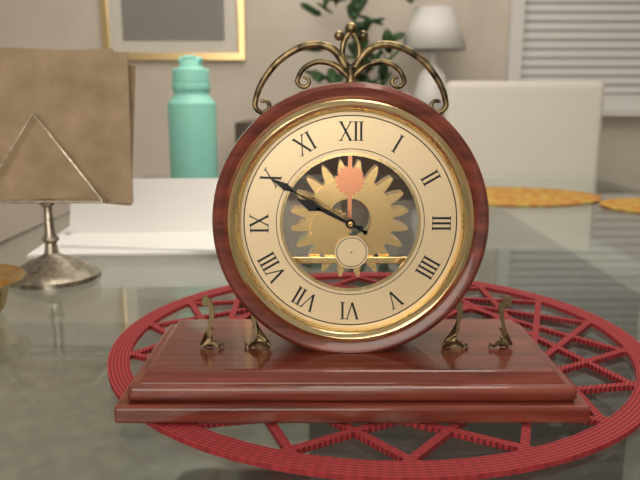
h=9 m=50
